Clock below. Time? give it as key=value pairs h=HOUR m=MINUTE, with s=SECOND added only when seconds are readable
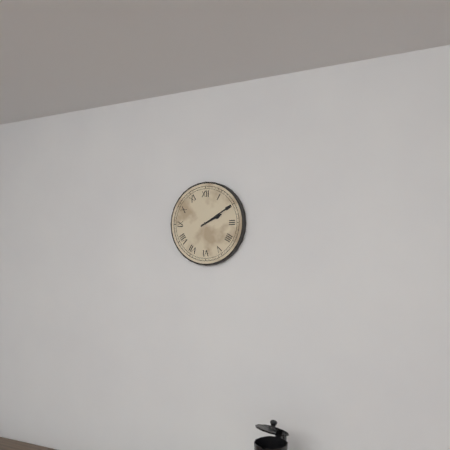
h=2 m=10
